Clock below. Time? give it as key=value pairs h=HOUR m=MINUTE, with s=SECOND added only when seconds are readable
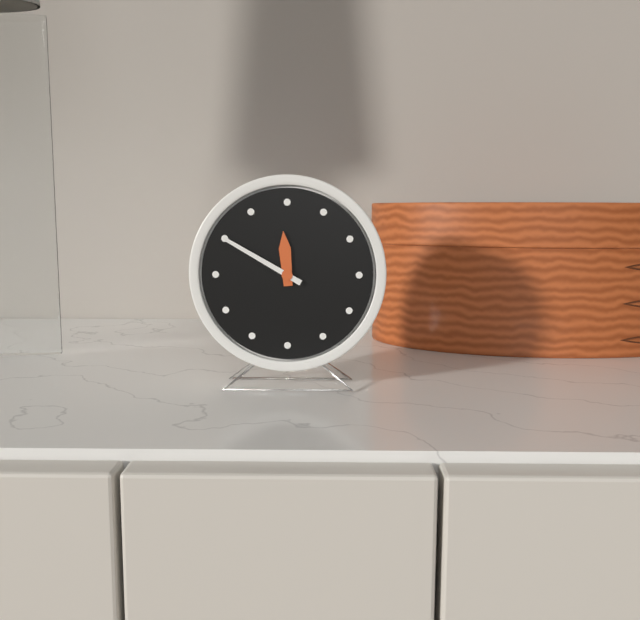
h=11 m=50
